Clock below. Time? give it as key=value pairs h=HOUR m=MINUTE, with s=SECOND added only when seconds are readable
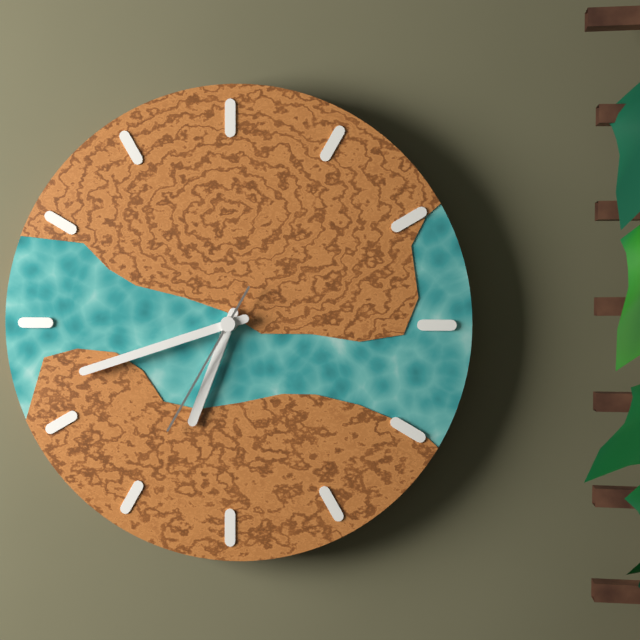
h=6 m=42 s=35
